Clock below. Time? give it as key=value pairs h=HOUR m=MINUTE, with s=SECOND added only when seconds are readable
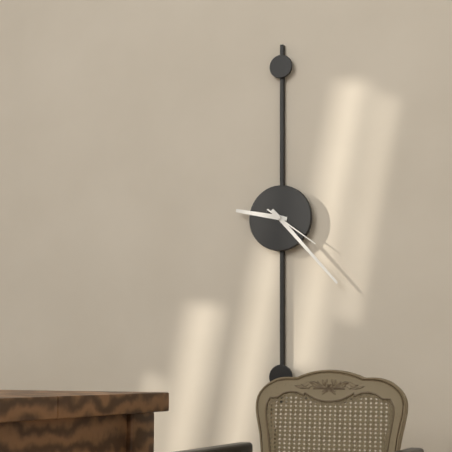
h=9 m=23 s=21
